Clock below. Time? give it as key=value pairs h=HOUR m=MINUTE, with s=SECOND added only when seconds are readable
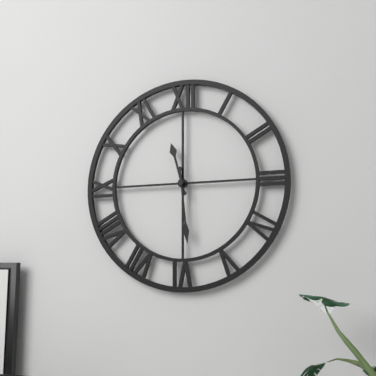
h=11 m=29
